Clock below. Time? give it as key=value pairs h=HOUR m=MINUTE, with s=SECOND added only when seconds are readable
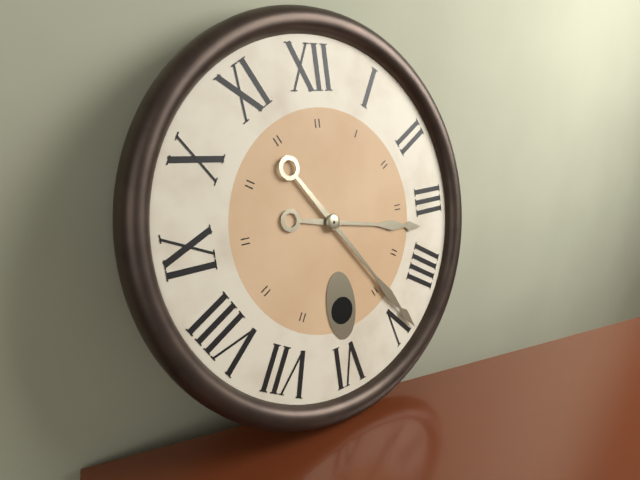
h=3 m=24
